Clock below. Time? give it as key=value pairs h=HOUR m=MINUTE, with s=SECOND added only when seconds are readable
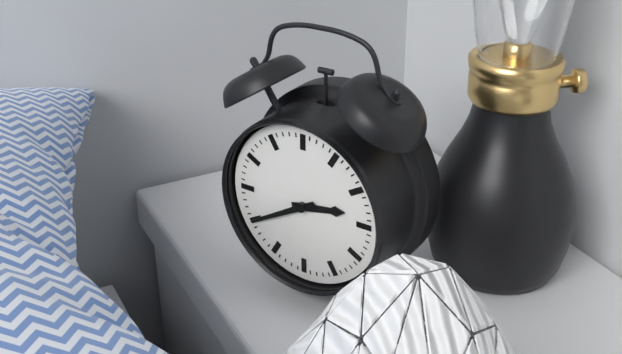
h=2 m=40
